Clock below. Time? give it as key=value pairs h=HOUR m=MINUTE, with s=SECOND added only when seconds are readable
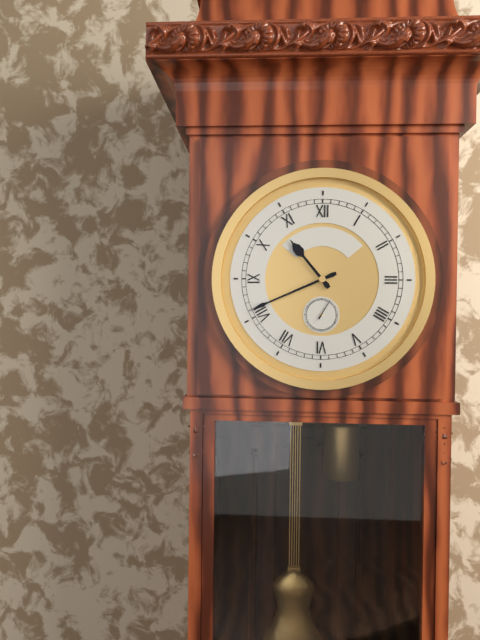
h=10 m=41
